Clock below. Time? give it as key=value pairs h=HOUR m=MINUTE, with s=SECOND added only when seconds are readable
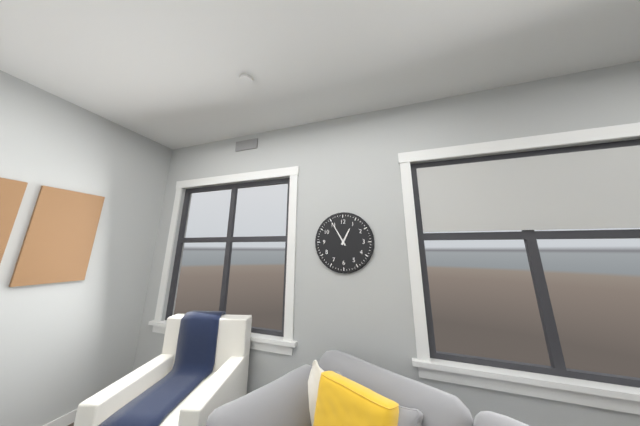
h=12 m=55
